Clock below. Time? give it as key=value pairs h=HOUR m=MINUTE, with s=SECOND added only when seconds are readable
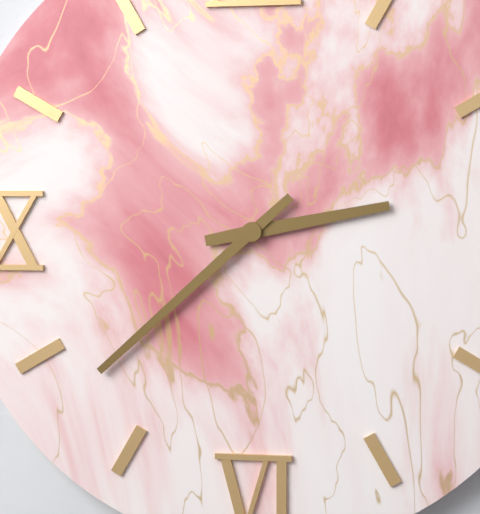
h=2 m=38
